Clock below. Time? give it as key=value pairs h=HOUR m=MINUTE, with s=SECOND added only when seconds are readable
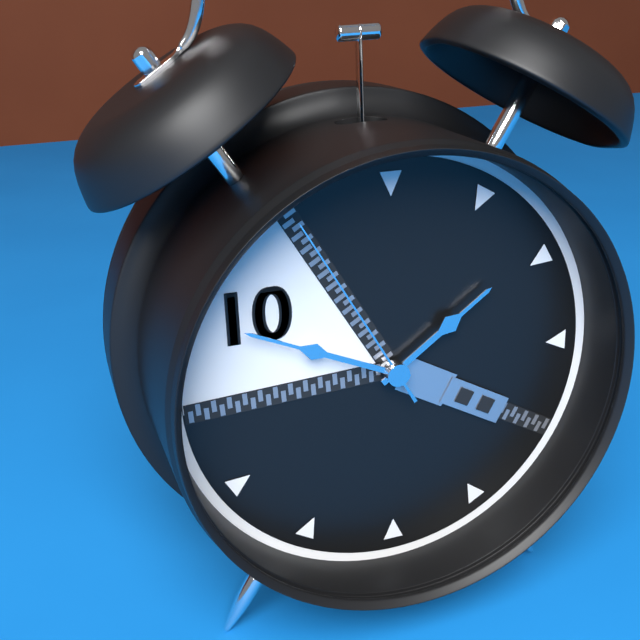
h=1 m=49 s=55
